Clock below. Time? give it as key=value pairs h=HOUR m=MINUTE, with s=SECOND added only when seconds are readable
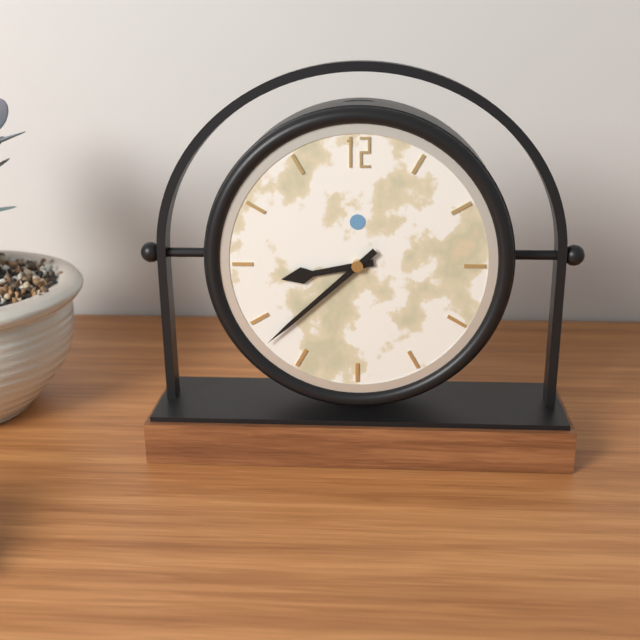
h=8 m=38
